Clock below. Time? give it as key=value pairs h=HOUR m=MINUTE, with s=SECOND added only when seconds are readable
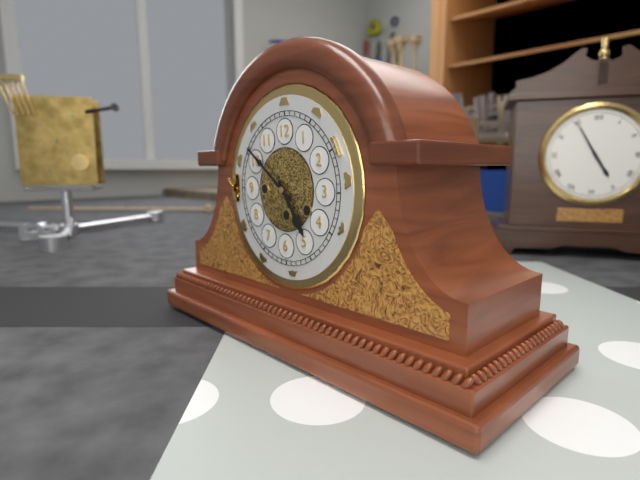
h=4 m=51
